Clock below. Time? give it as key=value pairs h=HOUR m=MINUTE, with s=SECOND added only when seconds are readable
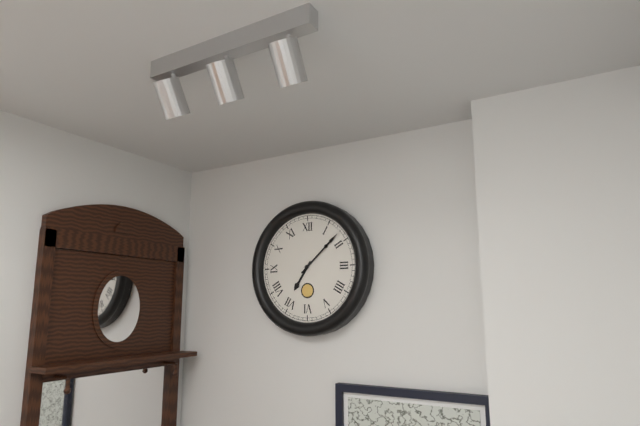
h=7 m=8
